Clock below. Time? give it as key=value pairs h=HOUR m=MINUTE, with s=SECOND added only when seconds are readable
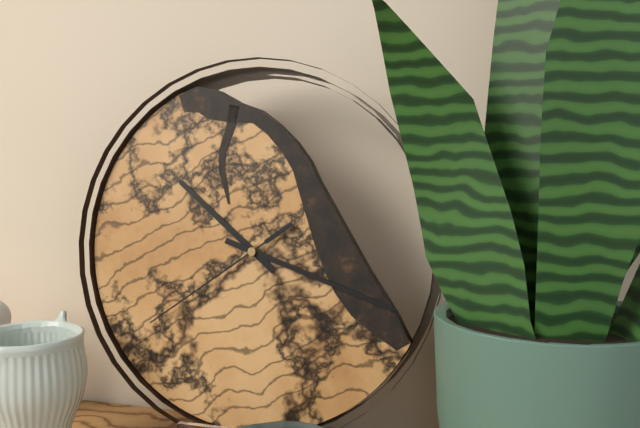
h=10 m=18 s=39
